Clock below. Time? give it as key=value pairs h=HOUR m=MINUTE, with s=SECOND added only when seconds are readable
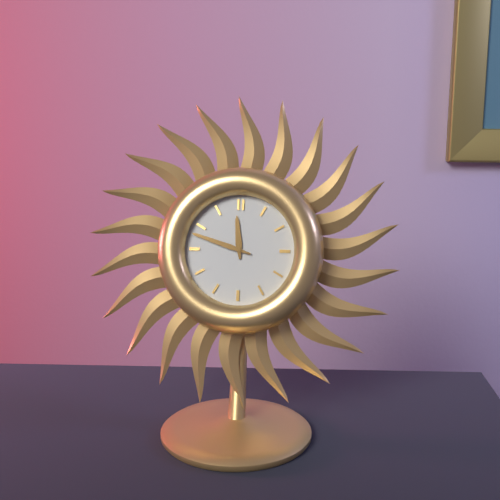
h=11 m=48
